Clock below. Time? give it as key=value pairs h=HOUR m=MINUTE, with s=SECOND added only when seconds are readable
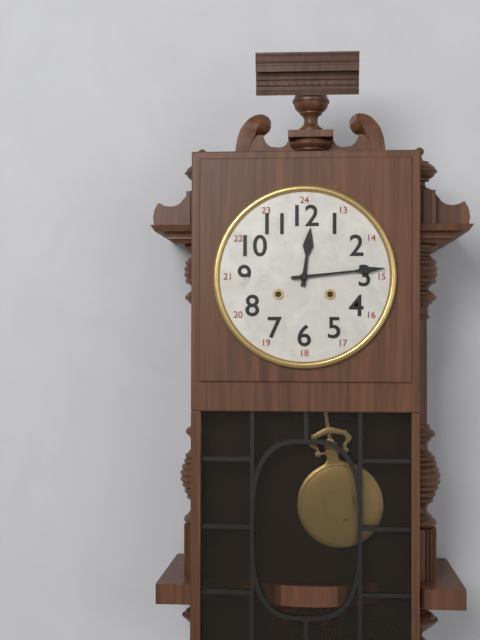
h=12 m=14
